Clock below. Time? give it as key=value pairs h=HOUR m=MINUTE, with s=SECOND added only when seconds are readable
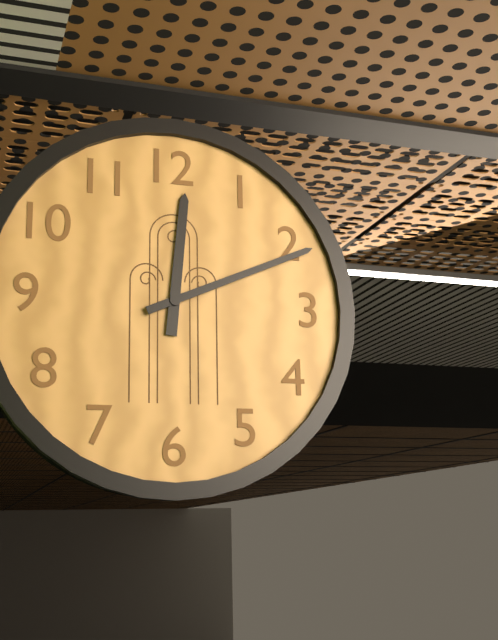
h=12 m=11
